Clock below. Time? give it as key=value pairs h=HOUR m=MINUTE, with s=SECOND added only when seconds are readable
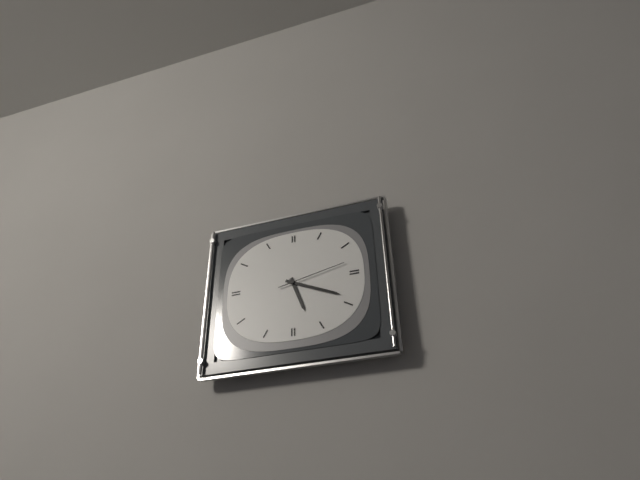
h=5 m=19 s=13
